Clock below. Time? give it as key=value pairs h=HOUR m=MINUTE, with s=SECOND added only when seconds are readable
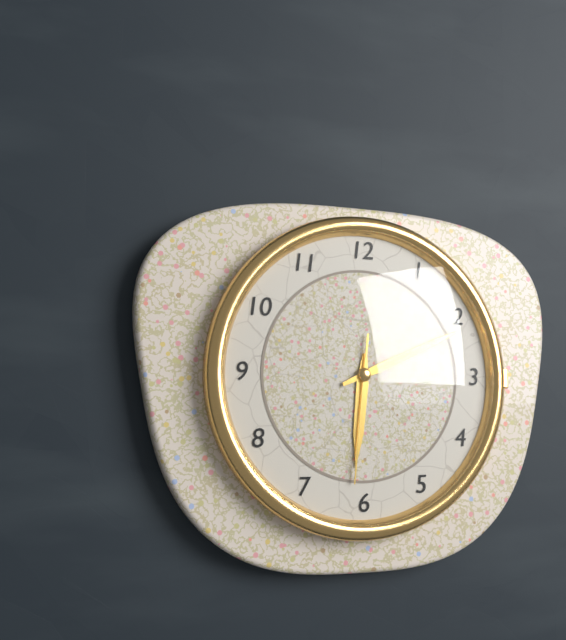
h=6 m=11 s=31
